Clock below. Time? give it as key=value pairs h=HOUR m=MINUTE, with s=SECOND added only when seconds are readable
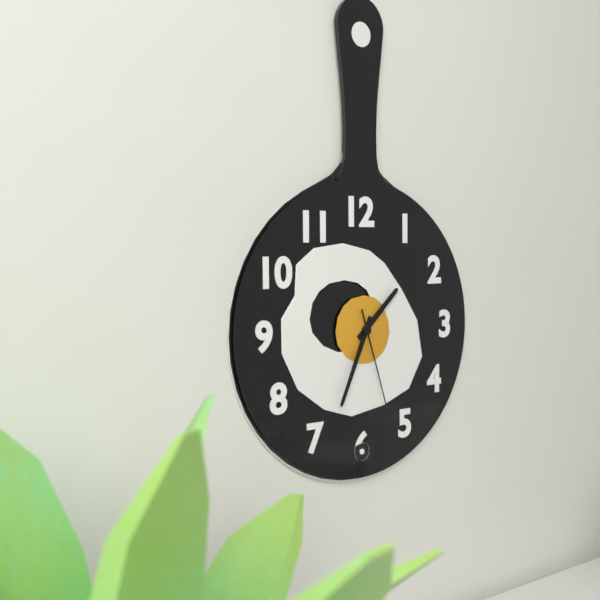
h=1 m=34 s=27
